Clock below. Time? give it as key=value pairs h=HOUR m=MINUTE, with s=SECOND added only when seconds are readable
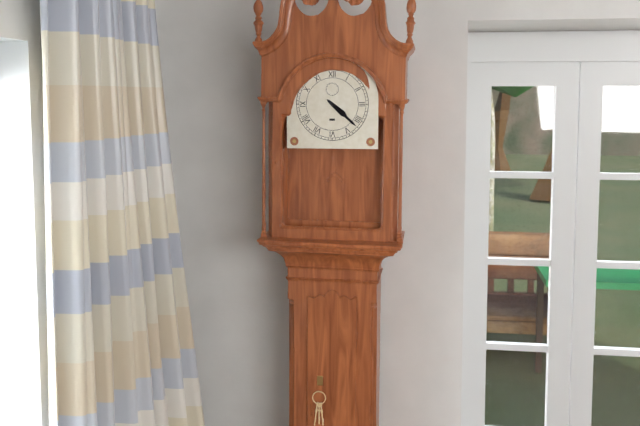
h=4 m=22
